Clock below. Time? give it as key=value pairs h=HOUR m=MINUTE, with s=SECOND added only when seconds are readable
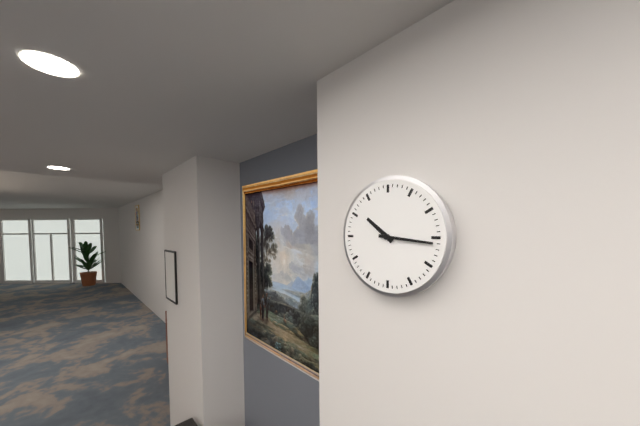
h=10 m=16
